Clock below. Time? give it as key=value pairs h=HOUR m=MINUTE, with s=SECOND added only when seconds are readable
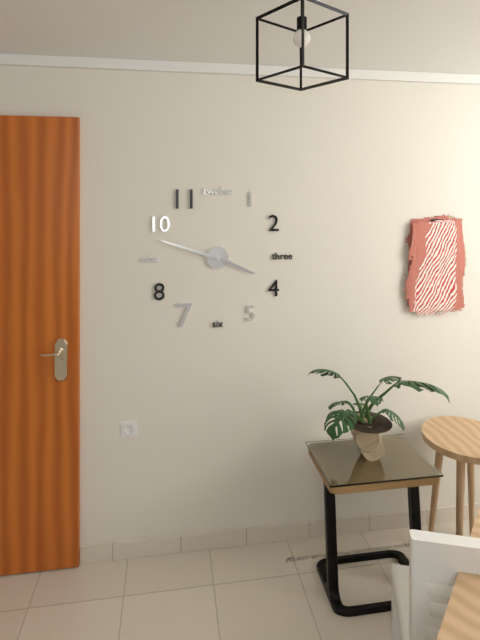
h=3 m=48
